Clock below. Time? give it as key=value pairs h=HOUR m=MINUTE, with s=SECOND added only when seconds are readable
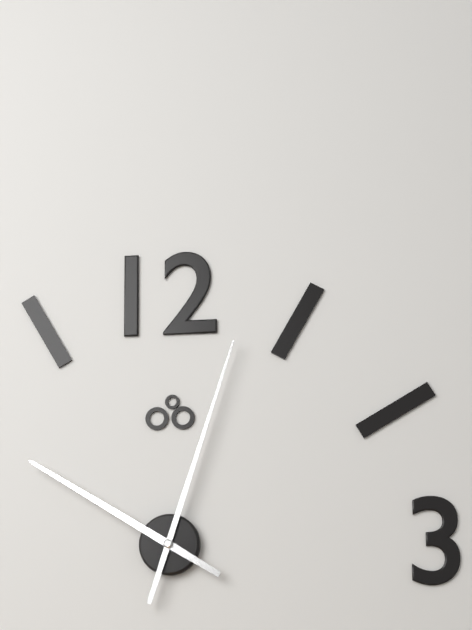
h=10 m=3
